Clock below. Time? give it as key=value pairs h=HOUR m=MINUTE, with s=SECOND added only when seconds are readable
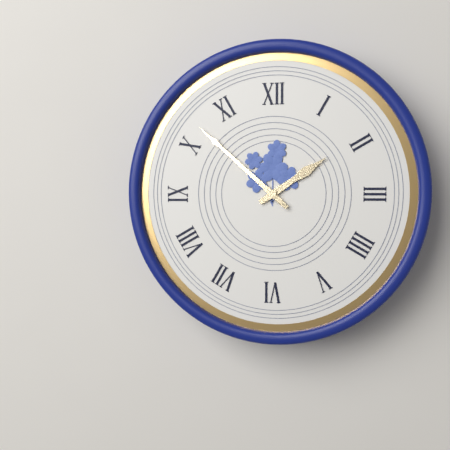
h=1 m=52
